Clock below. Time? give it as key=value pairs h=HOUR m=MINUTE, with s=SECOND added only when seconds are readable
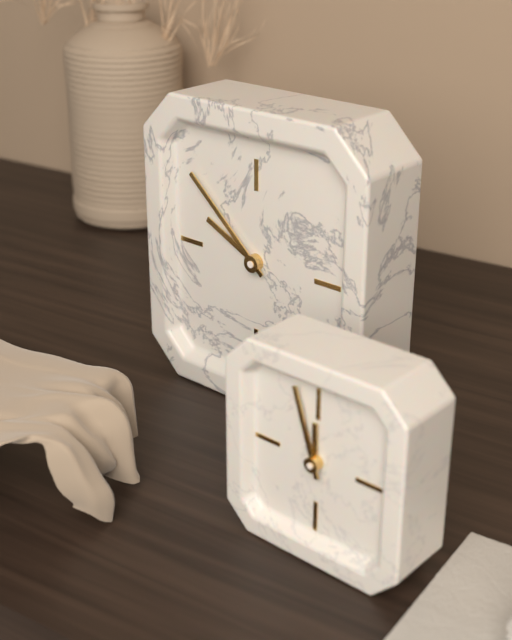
h=9 m=52
